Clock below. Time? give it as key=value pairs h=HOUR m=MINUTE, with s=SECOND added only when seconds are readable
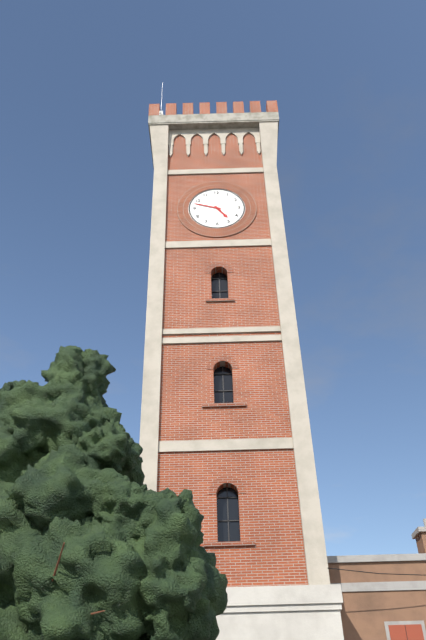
h=4 m=48
